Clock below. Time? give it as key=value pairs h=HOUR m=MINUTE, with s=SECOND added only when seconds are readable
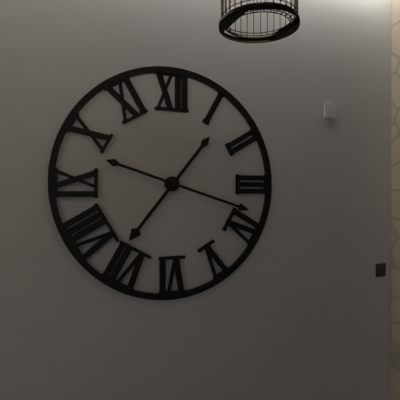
h=7 m=18
